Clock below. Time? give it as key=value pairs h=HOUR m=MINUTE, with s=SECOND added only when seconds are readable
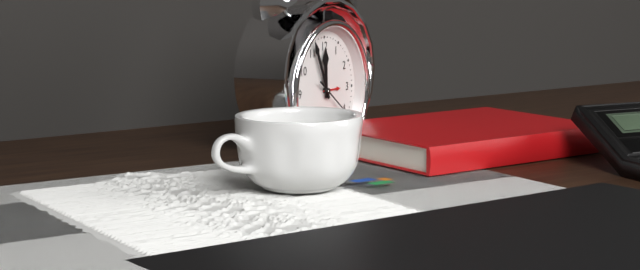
h=11 m=56
